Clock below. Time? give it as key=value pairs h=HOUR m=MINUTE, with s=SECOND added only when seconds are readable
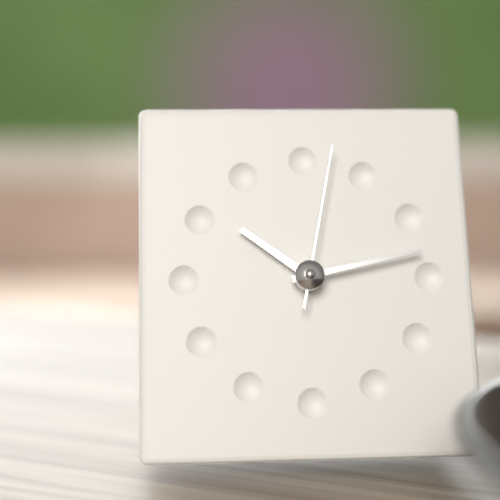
h=10 m=13 s=2
